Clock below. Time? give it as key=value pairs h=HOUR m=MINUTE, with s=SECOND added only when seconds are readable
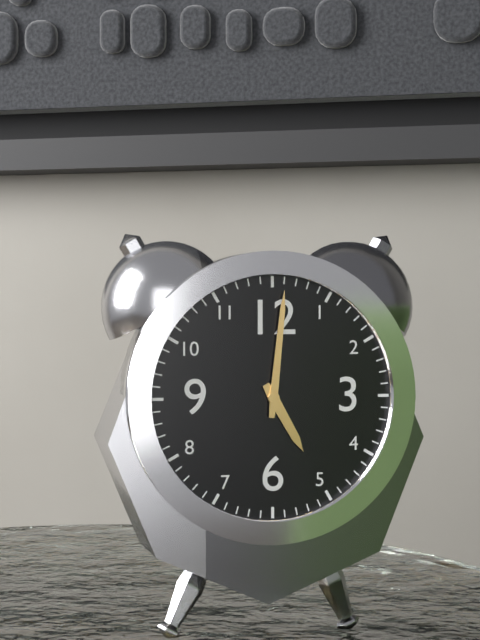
h=5 m=1
